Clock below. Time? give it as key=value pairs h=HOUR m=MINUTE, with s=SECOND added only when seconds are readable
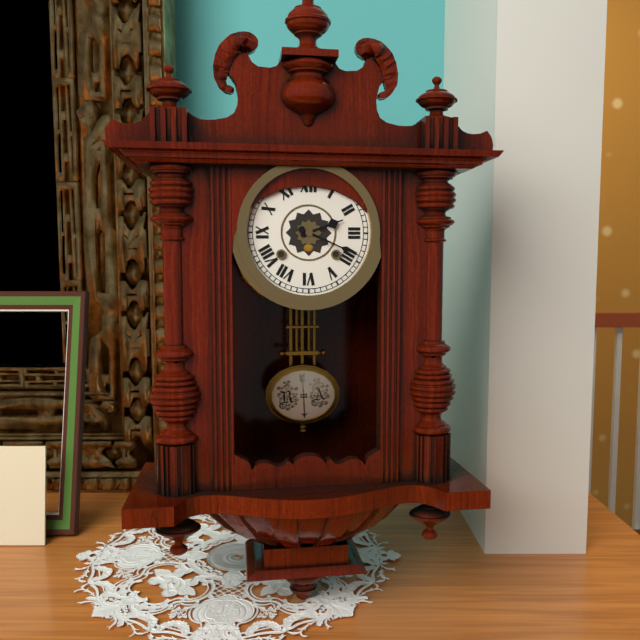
h=2 m=19
